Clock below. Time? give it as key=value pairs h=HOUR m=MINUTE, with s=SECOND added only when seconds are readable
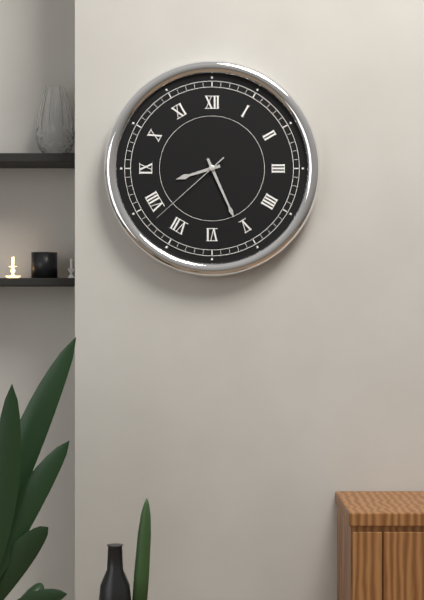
h=8 m=26 s=38
